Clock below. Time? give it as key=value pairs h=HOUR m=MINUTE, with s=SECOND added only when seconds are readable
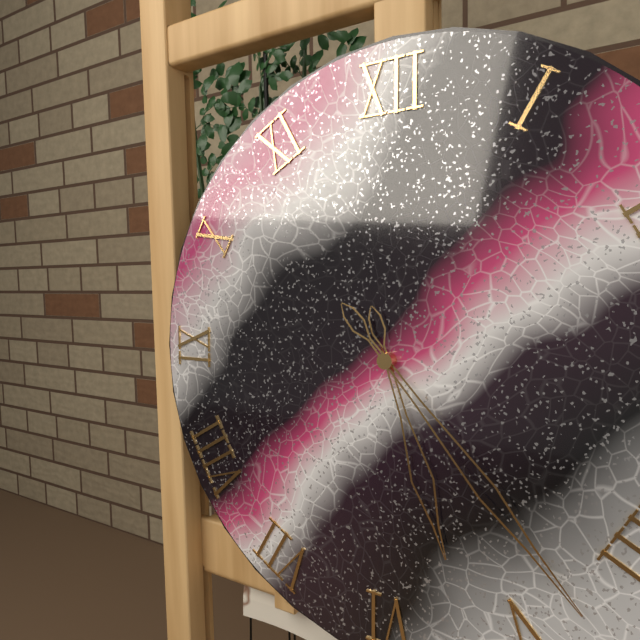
h=5 m=23
